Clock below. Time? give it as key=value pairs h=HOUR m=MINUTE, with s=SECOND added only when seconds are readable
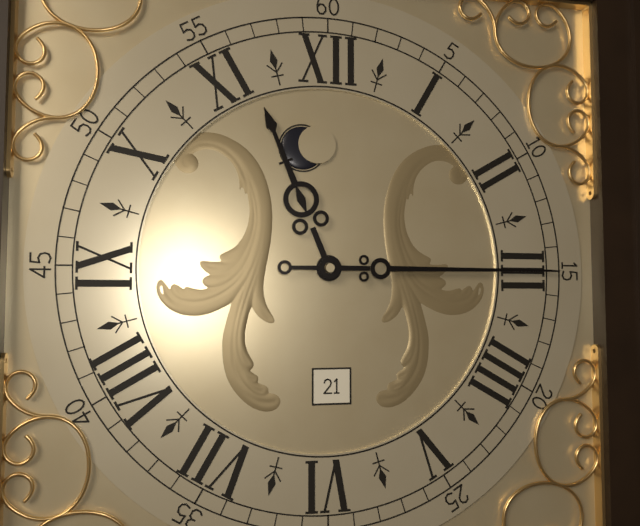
h=11 m=15
